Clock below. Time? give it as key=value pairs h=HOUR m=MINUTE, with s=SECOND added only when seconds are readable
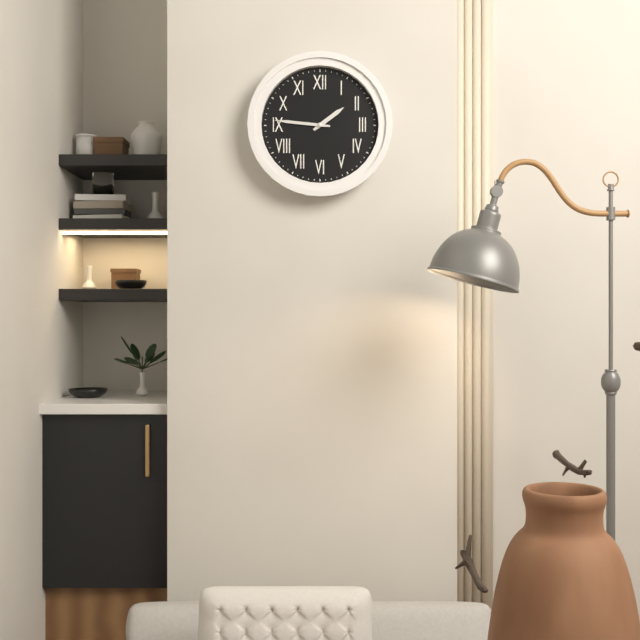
h=1 m=46
